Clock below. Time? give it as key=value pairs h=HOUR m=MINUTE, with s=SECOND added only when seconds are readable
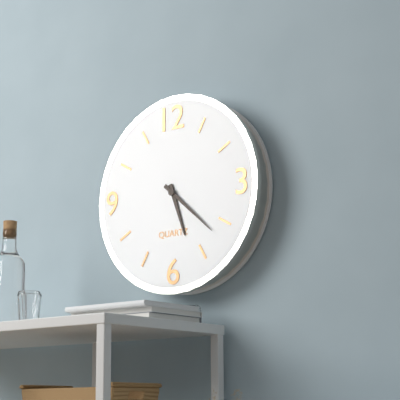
h=5 m=22
